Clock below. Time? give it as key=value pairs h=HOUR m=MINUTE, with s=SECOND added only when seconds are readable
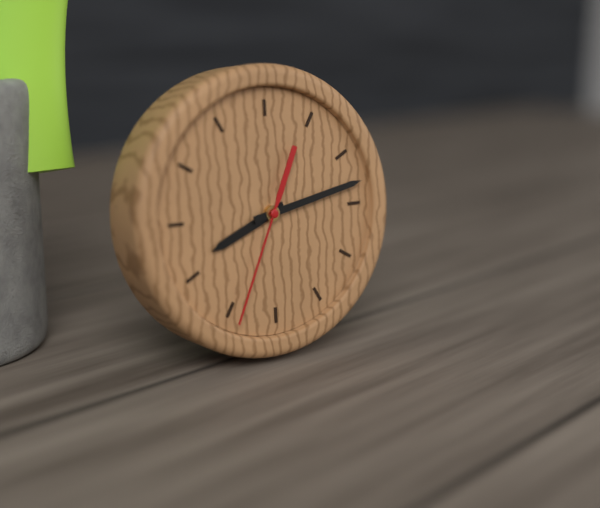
h=8 m=13 s=34
